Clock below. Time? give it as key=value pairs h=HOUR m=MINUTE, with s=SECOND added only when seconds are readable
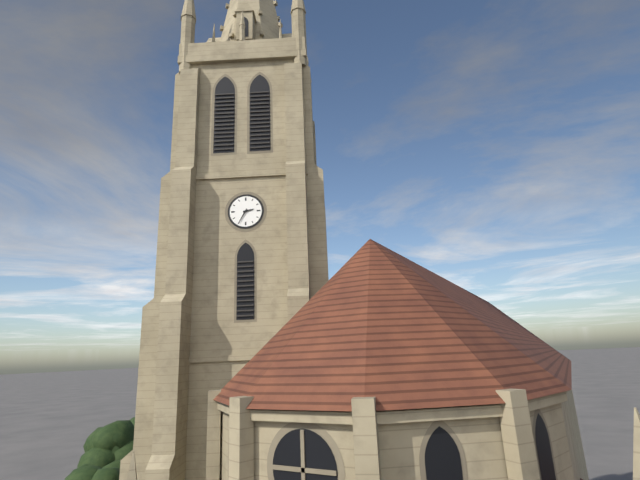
h=2 m=35
